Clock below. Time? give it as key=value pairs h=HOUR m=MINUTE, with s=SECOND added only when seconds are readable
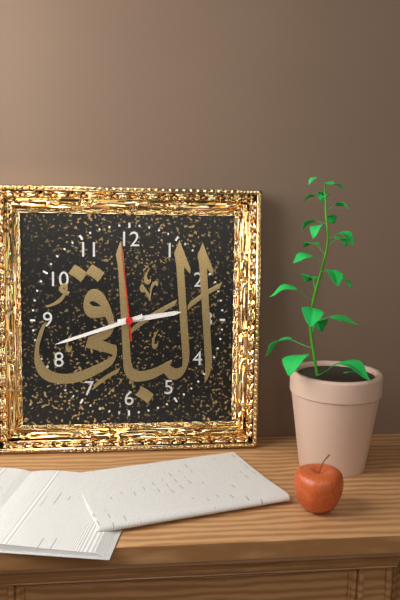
h=2 m=42 s=59
